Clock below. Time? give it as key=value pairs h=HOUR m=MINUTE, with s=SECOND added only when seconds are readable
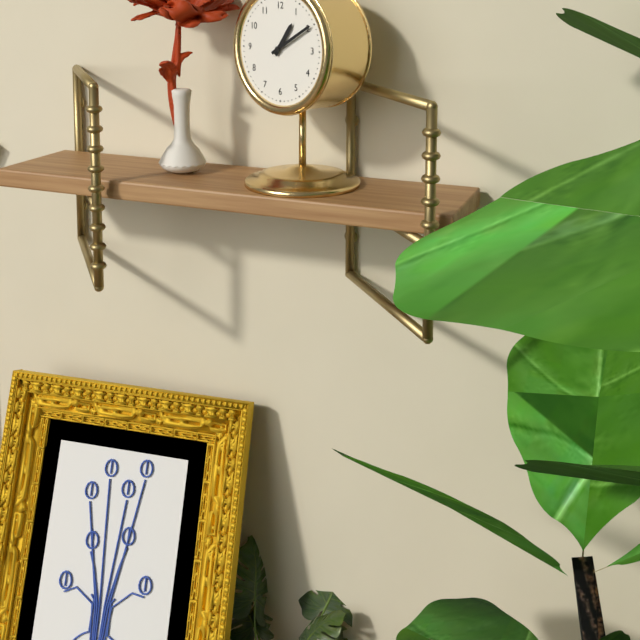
h=1 m=10
